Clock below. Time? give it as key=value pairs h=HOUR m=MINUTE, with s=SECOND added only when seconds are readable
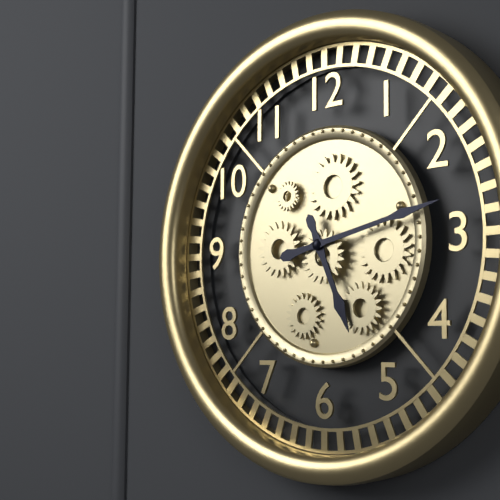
h=5 m=13
